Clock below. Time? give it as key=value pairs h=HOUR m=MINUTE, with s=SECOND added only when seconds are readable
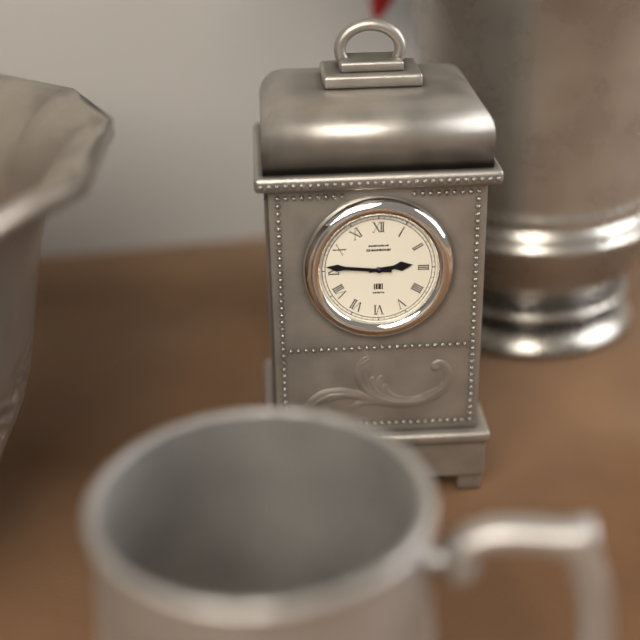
h=2 m=46
